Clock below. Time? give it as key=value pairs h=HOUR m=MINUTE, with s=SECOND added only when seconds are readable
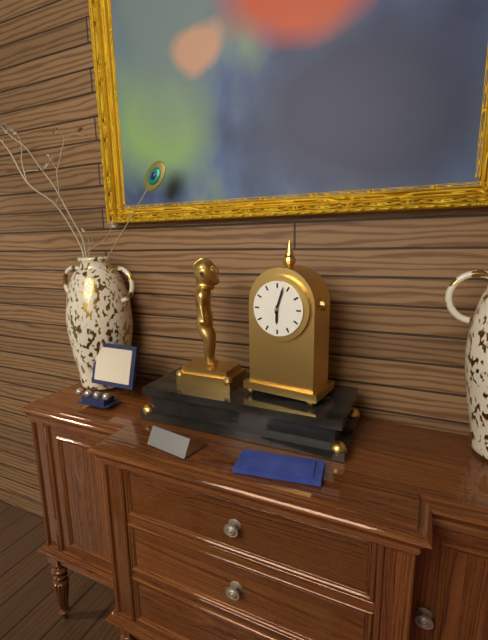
h=6 m=3
